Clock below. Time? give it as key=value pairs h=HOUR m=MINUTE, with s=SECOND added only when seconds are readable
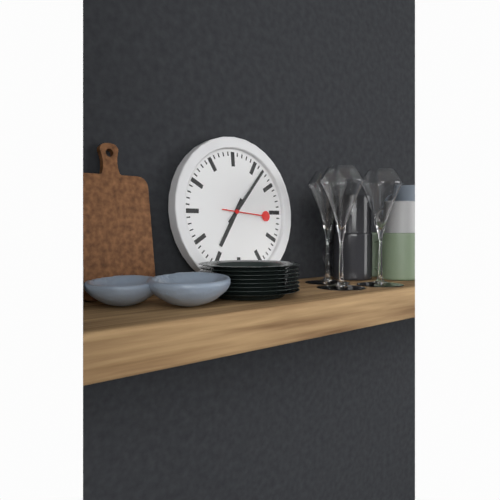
h=7 m=7
